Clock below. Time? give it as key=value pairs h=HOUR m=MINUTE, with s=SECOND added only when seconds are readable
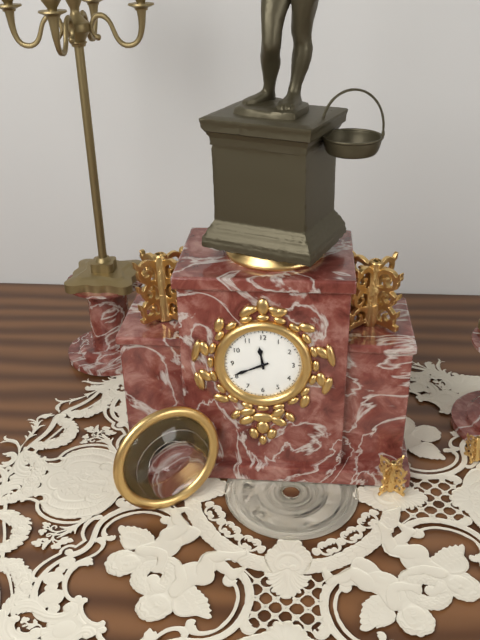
h=11 m=41
